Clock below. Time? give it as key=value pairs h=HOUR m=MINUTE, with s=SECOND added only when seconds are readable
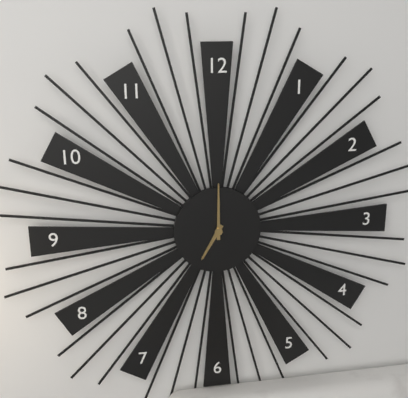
h=7 m=0
